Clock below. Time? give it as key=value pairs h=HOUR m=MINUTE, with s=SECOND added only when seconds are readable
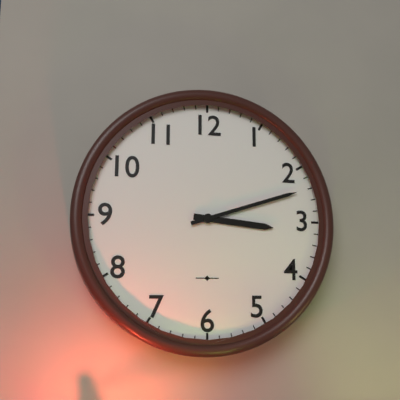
h=3 m=12
